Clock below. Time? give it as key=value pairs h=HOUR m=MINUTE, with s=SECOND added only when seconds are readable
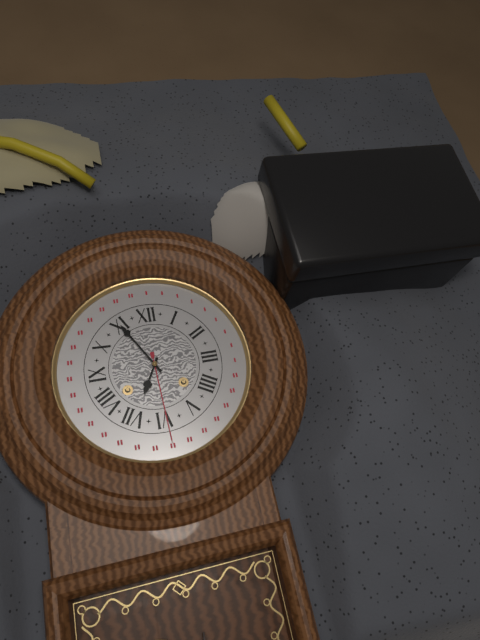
h=6 m=55
